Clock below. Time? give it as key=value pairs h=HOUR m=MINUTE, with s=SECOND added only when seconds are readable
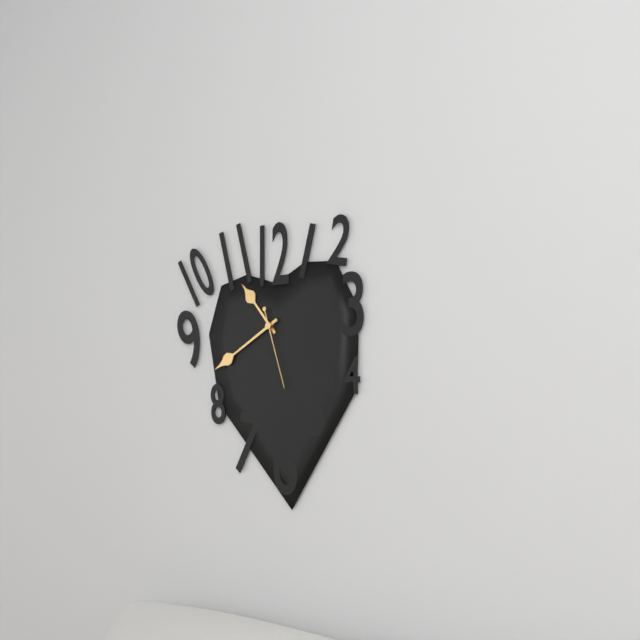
h=10 m=40 s=27
